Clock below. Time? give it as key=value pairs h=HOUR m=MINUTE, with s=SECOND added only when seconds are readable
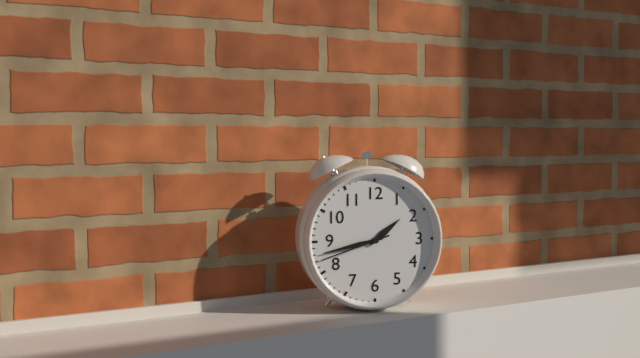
h=1 m=43 s=42
